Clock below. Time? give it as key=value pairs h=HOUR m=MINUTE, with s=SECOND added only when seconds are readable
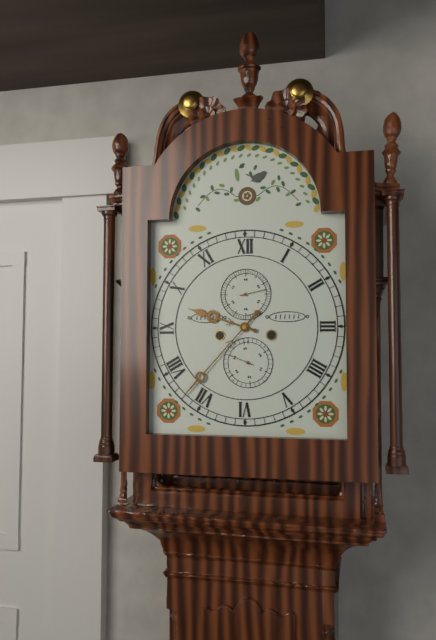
h=9 m=37
